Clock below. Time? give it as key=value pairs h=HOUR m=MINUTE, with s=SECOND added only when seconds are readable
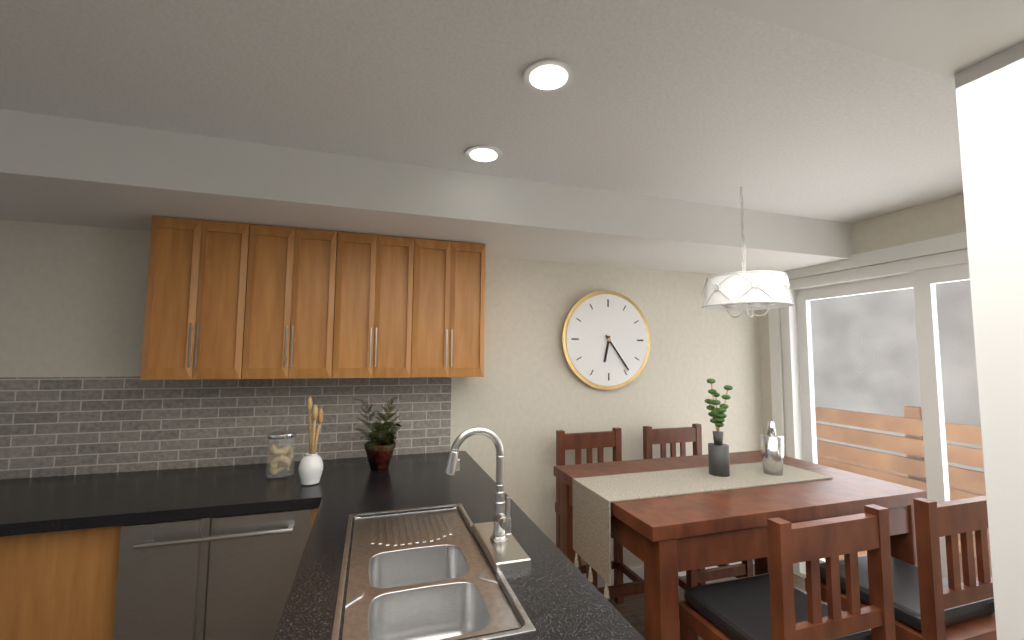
h=6 m=24
